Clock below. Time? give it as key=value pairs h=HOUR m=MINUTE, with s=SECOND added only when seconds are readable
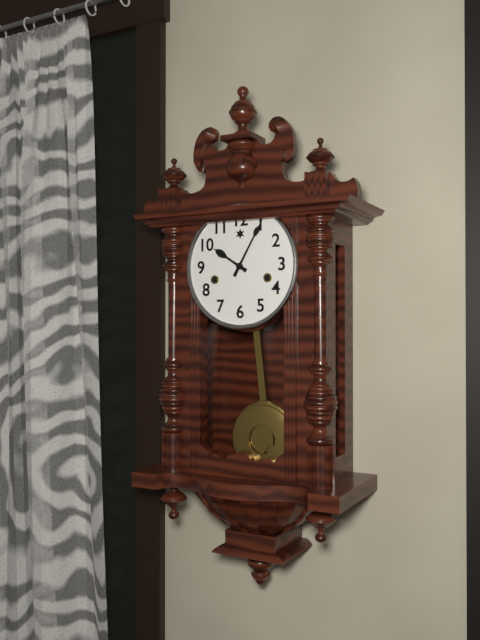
h=10 m=5
